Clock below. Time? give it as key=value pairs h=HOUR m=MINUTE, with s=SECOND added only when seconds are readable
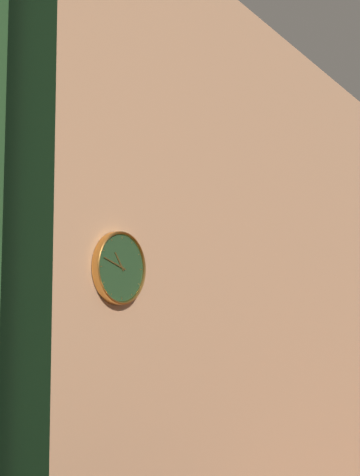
h=10 m=48
